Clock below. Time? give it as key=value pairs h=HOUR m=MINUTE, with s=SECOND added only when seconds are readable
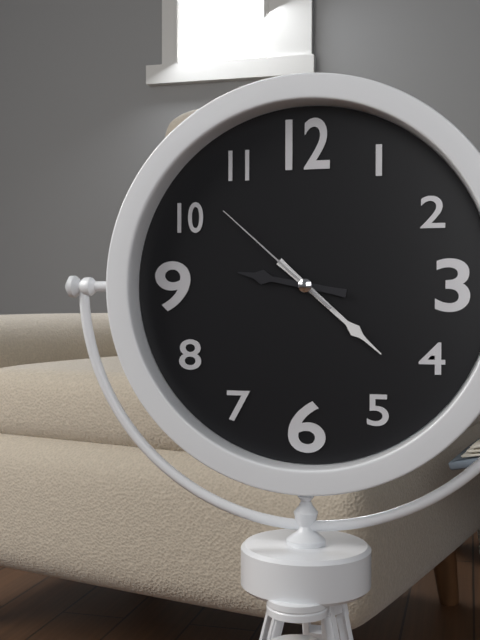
h=9 m=22 s=52
